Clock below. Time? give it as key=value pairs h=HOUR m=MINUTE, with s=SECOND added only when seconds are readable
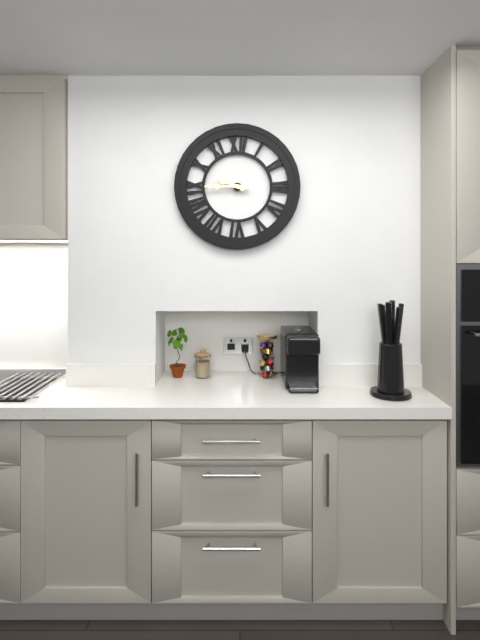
h=9 m=45
